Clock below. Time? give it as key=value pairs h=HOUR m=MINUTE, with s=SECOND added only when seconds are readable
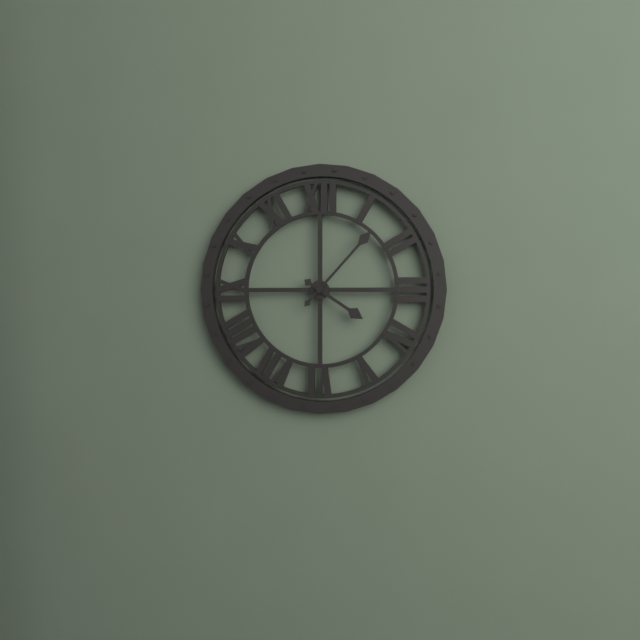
h=4 m=7
